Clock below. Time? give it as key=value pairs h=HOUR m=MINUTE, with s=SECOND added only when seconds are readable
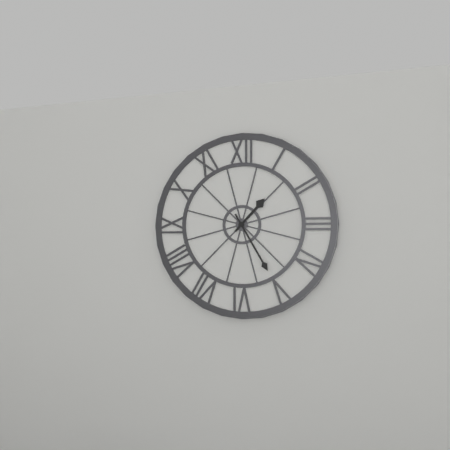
h=1 m=25
